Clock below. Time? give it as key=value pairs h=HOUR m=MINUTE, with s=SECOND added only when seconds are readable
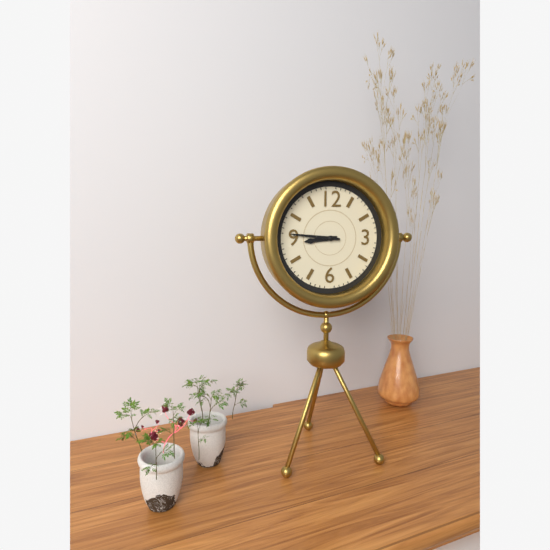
h=8 m=46
